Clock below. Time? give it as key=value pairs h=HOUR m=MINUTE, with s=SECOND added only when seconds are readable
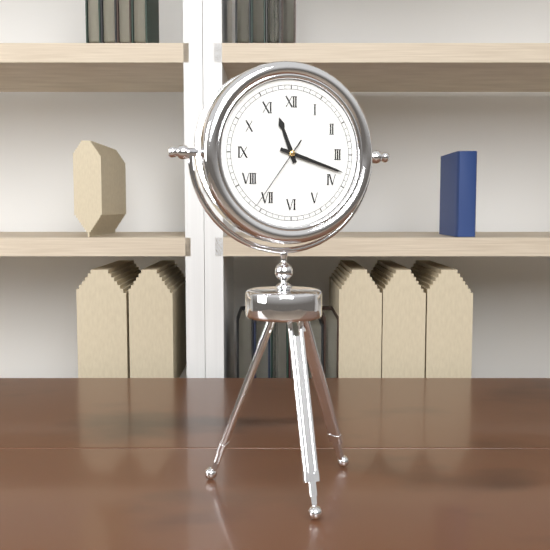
h=11 m=18 s=36
